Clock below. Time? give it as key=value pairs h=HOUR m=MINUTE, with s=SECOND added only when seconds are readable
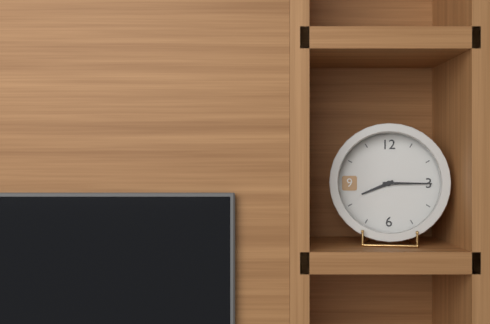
h=8 m=15
